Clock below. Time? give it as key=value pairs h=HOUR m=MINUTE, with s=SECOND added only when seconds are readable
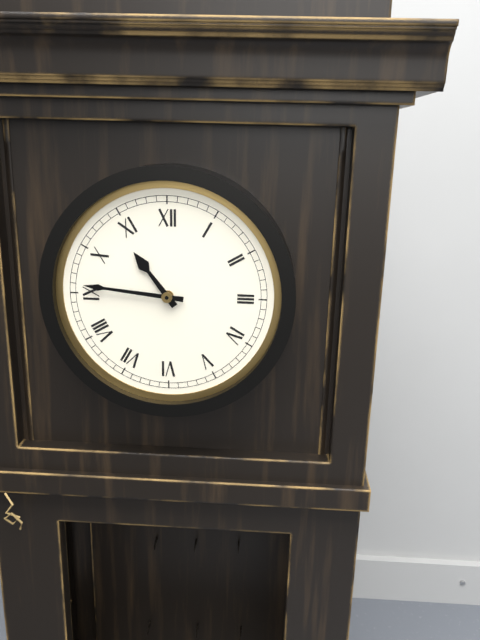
h=10 m=46
